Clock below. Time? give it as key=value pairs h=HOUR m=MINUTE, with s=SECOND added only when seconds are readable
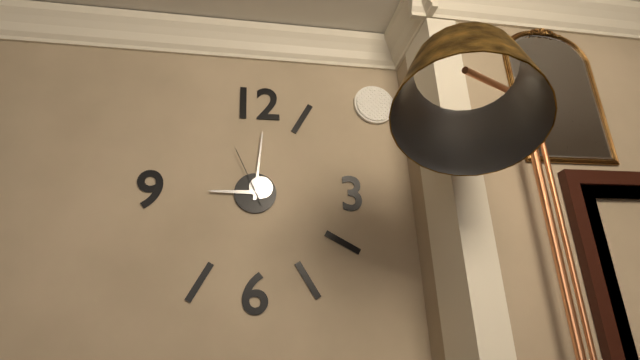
h=9 m=1 s=56
